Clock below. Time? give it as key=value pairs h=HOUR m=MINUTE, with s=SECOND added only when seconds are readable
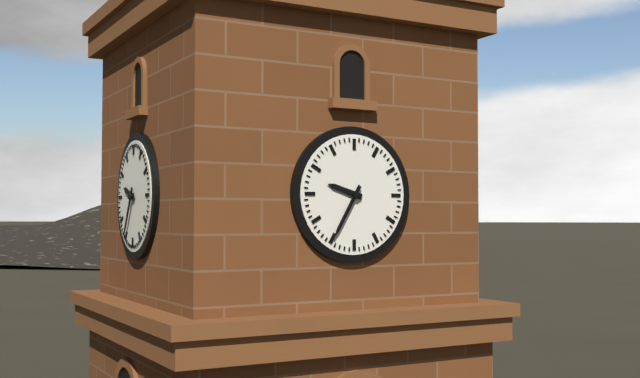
h=9 m=35
